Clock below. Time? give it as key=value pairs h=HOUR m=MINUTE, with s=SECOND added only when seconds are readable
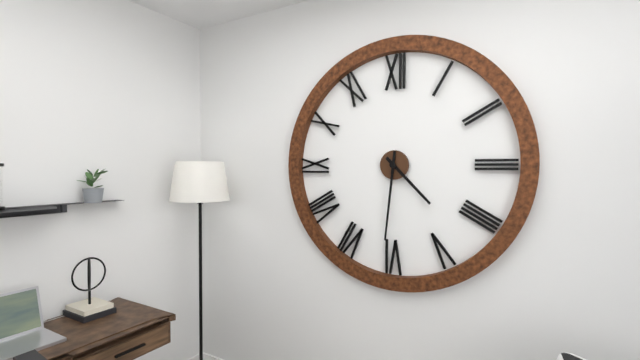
h=4 m=31
